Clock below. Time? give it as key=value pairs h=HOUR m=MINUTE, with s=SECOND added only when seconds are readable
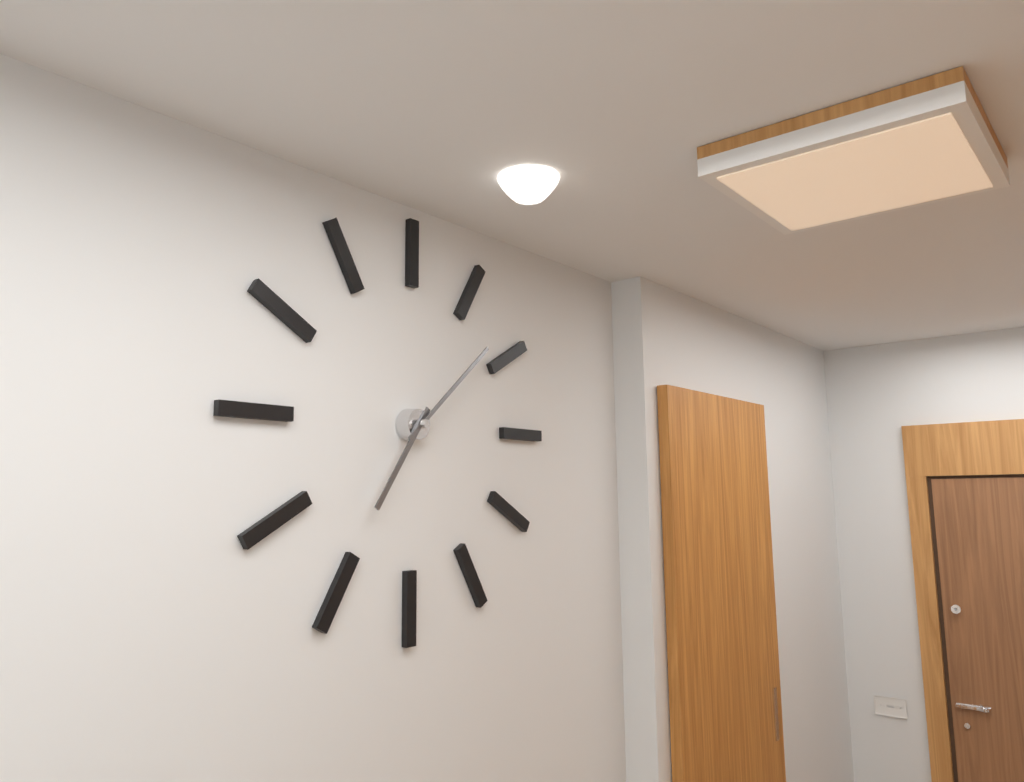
h=7 m=8
